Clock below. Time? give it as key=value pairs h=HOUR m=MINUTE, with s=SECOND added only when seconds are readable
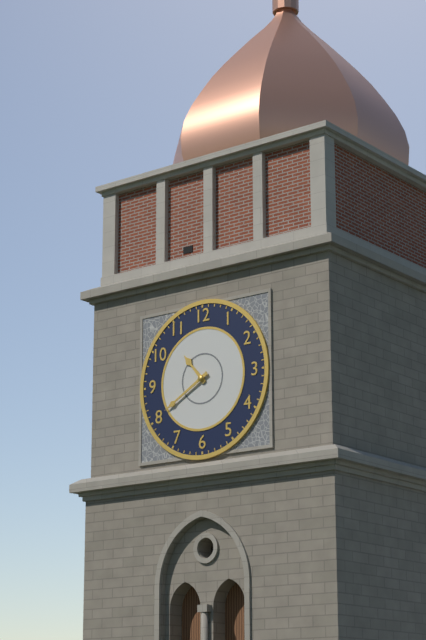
h=10 m=40
